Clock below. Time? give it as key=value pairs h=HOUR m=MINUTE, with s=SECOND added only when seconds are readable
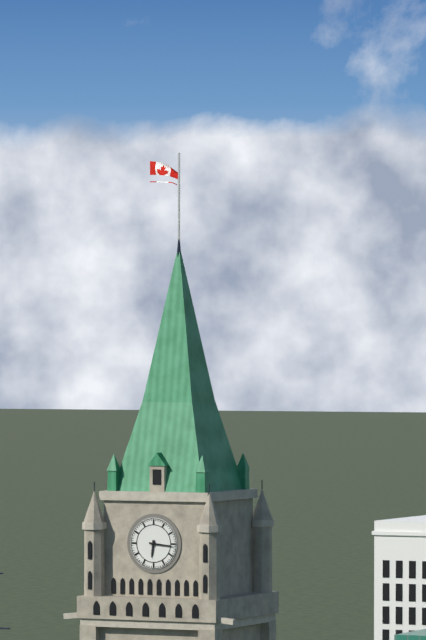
h=6 m=16
